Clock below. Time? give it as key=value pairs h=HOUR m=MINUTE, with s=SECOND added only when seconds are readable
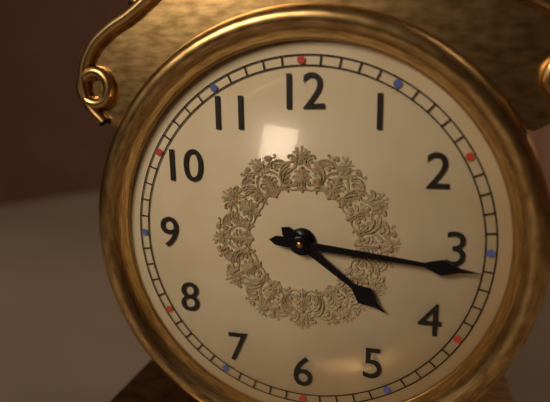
h=4 m=16
